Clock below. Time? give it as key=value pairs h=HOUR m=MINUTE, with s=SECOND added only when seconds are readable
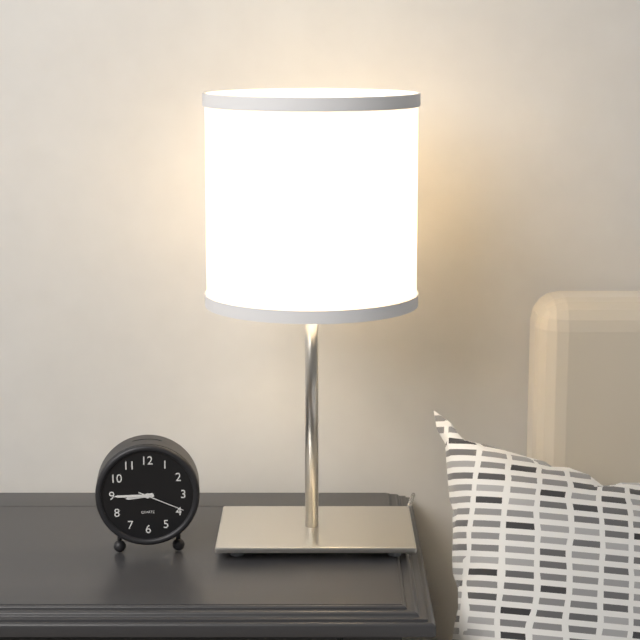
h=8 m=45
